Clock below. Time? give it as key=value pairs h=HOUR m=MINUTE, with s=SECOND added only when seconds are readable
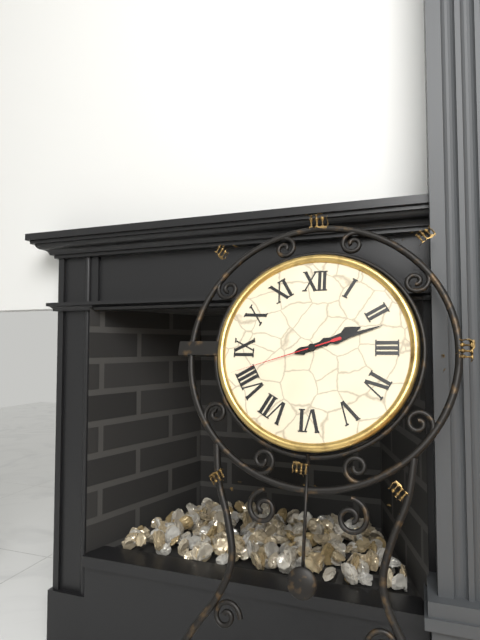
h=2 m=12 s=42
